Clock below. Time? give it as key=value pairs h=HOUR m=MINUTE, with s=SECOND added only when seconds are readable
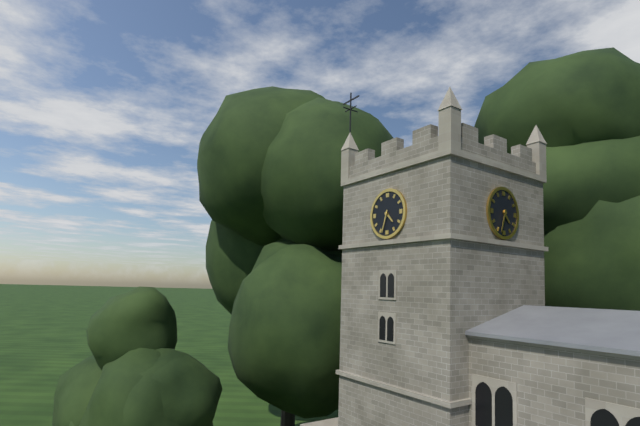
h=4 m=33
